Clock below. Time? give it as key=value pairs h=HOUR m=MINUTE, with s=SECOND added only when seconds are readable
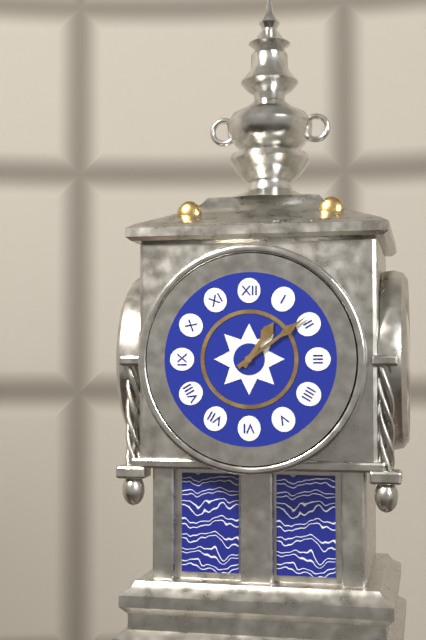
h=1 m=9
